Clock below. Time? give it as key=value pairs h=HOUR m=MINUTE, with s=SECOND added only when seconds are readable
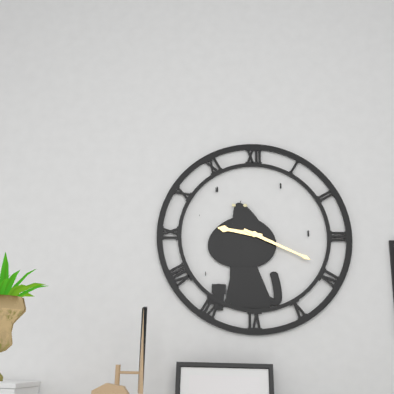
h=9 m=19
